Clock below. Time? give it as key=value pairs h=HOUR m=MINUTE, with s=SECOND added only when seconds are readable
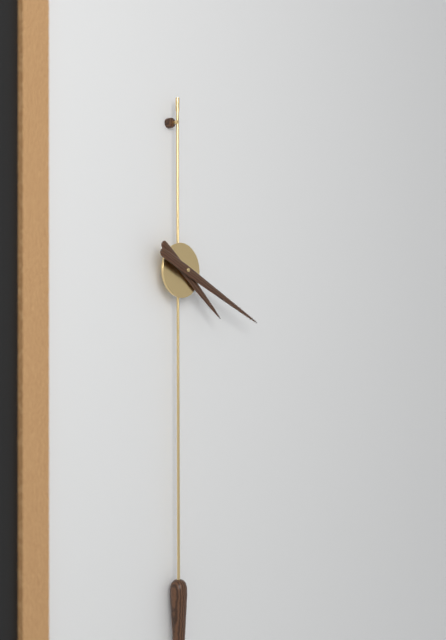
h=4 m=19
